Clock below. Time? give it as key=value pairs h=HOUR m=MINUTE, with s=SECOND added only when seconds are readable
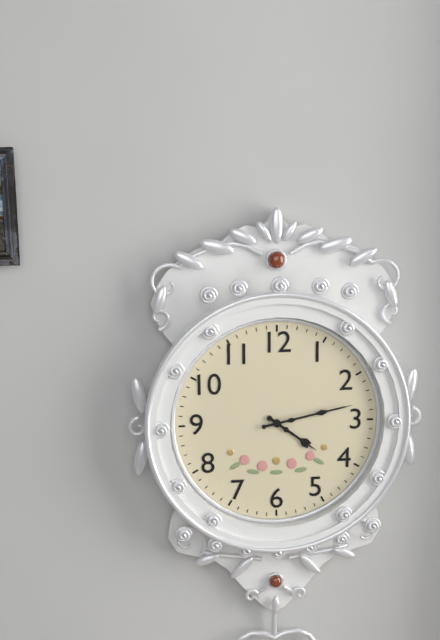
h=4 m=13
